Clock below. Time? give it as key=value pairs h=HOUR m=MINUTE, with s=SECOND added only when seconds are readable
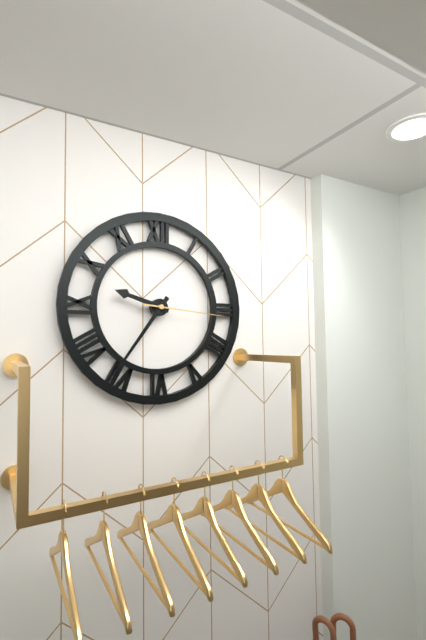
h=9 m=36 s=16
